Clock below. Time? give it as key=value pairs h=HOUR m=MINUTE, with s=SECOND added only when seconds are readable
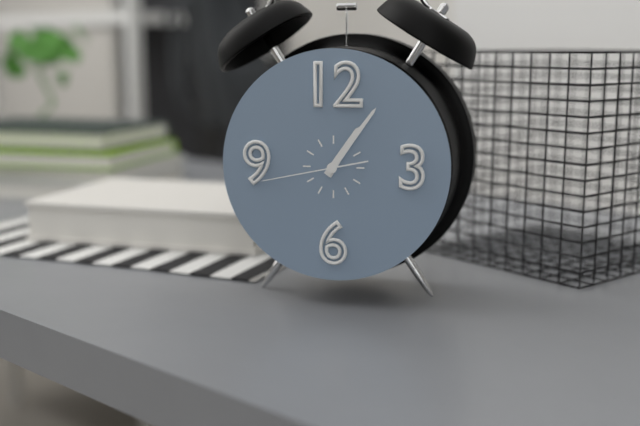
h=1 m=6 s=43
